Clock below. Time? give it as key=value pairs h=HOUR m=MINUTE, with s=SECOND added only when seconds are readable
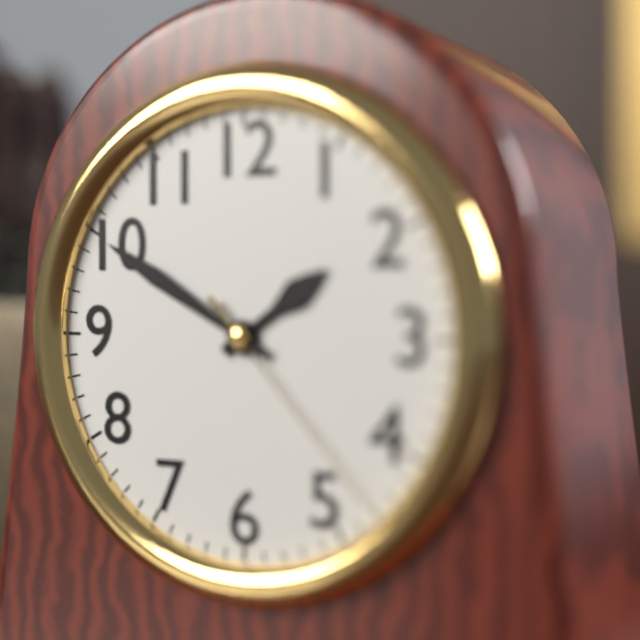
h=1 m=50 s=23
